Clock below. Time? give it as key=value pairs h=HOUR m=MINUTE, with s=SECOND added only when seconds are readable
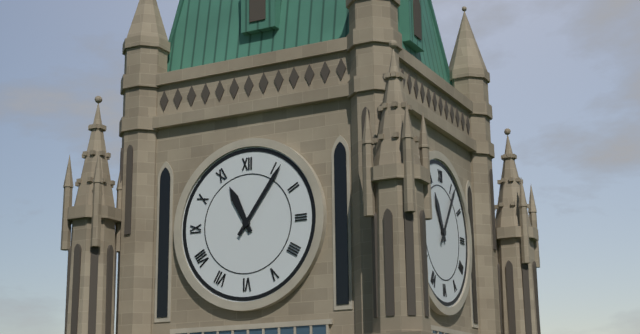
h=11 m=6
